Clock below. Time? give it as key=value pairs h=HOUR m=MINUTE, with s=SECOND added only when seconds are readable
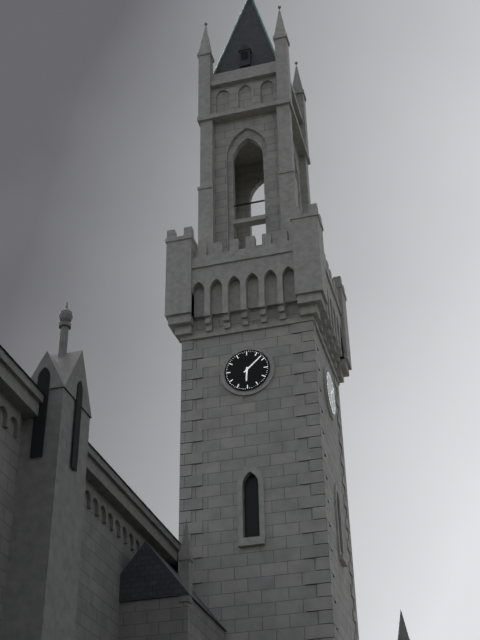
h=6 m=8
